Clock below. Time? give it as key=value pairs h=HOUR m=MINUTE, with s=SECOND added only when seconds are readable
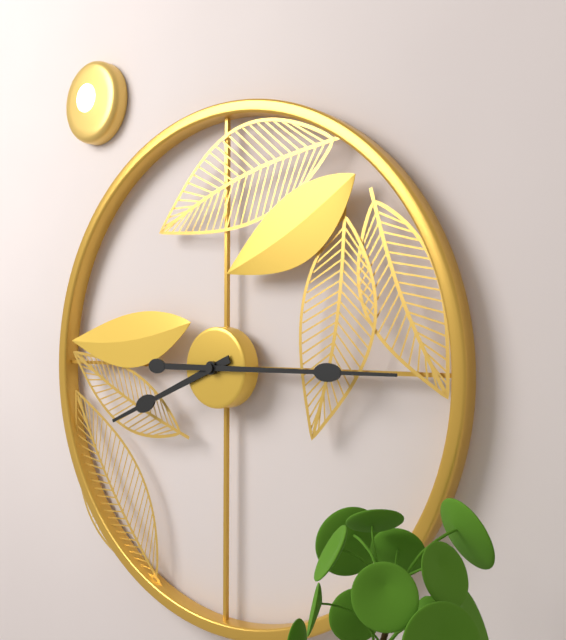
h=8 m=15
